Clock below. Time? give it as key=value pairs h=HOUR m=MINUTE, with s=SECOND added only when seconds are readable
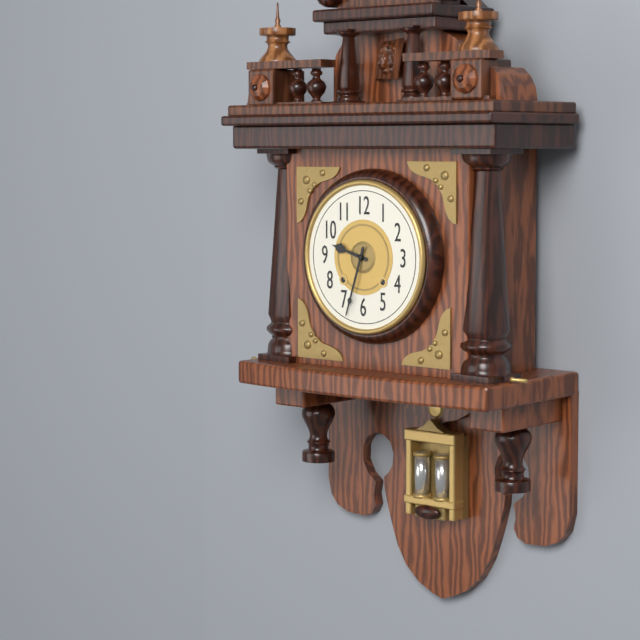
h=9 m=33
